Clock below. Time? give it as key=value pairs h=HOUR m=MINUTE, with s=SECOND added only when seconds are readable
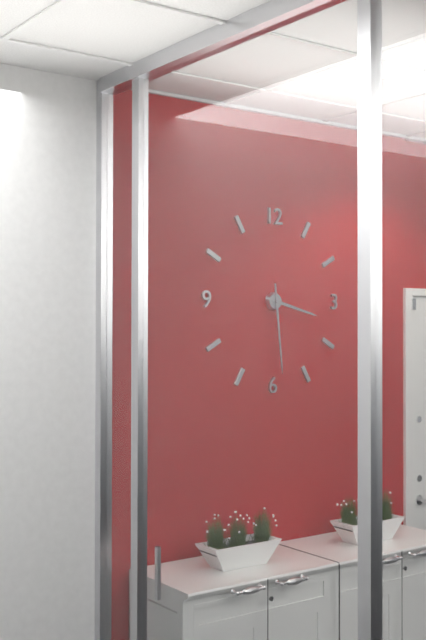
h=3 m=29
